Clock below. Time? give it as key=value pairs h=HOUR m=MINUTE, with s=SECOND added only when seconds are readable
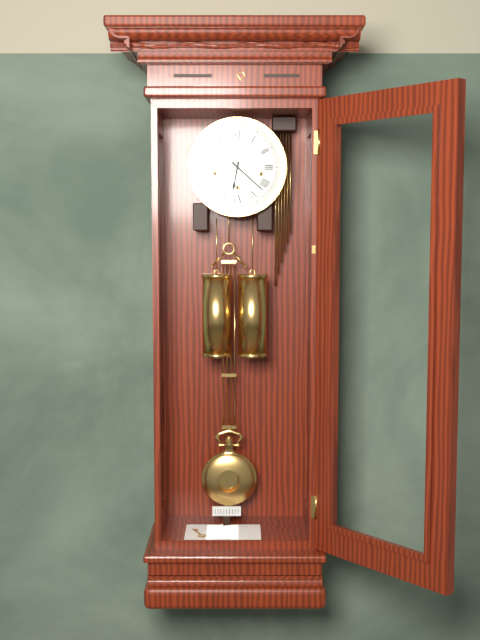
h=6 m=22
